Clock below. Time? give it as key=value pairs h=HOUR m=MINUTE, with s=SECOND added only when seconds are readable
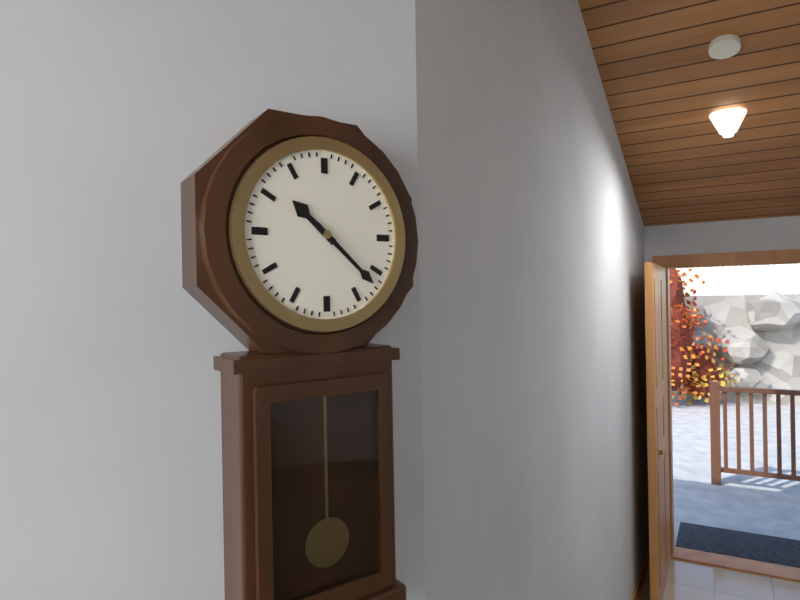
h=10 m=22
